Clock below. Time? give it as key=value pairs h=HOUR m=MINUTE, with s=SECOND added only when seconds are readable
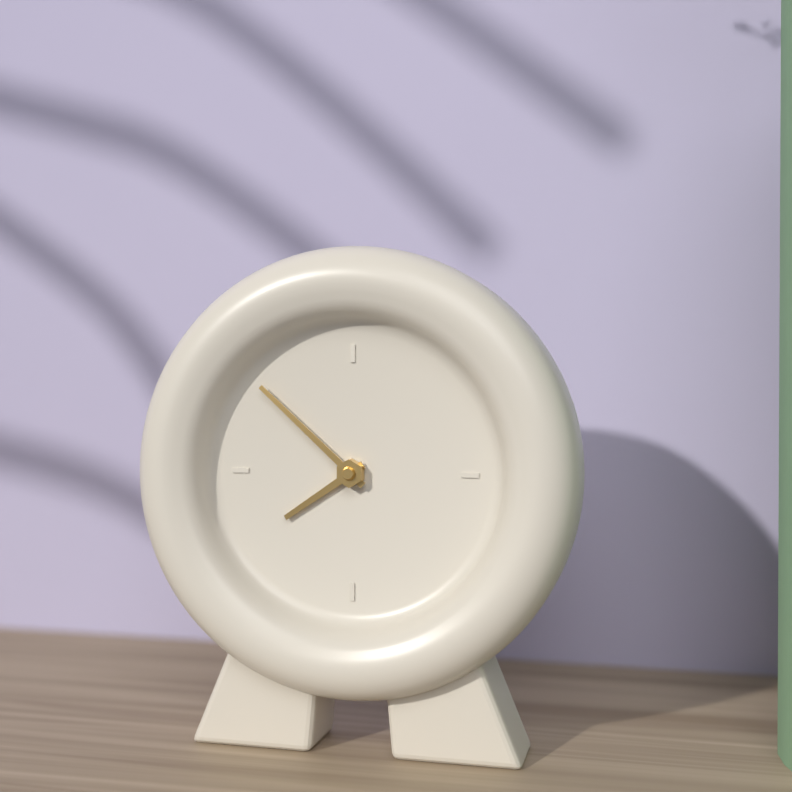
h=7 m=52
